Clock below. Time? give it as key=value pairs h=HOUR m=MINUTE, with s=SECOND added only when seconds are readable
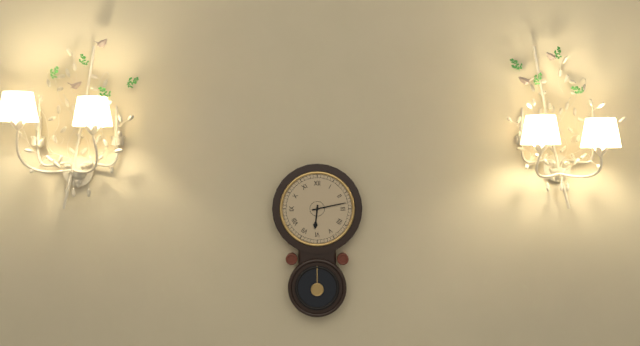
h=6 m=13
